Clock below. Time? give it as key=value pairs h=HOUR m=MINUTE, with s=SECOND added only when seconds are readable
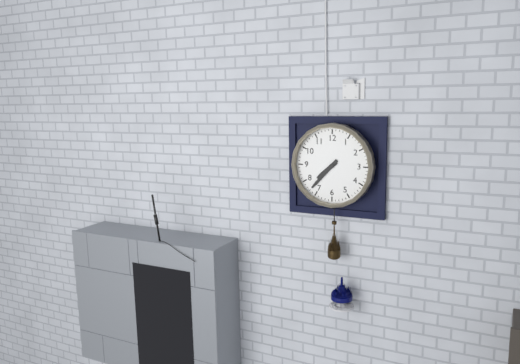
h=7 m=37
